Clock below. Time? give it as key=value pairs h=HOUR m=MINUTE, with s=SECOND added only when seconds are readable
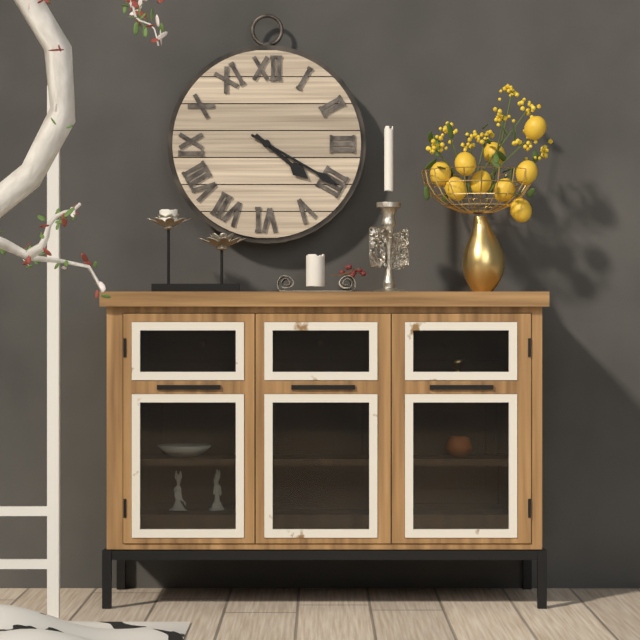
h=4 m=20
